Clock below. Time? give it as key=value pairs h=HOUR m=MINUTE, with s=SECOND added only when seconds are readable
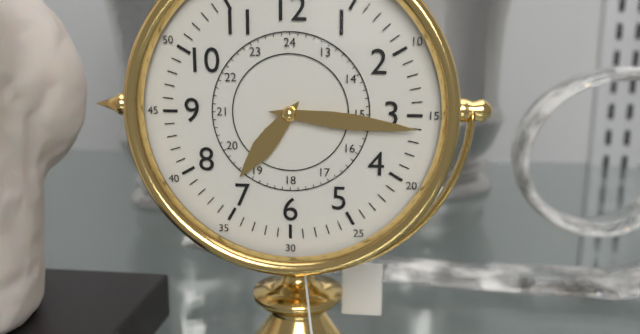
h=7 m=16
